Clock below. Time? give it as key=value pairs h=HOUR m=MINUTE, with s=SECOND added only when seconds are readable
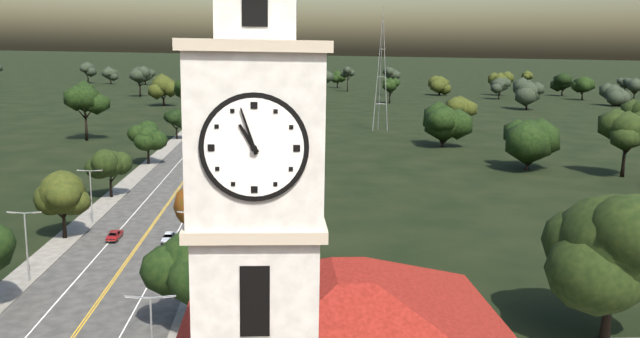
h=10 m=57
